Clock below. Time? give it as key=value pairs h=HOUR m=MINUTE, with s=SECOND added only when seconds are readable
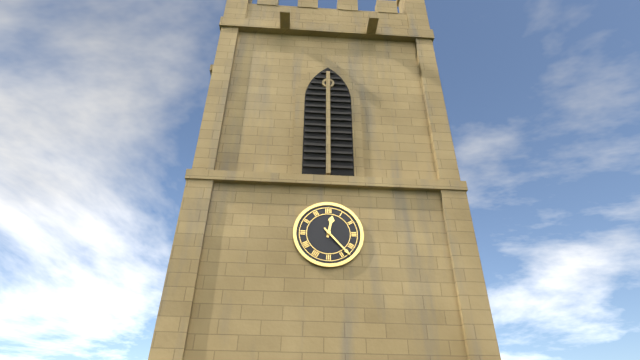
h=12 m=23
